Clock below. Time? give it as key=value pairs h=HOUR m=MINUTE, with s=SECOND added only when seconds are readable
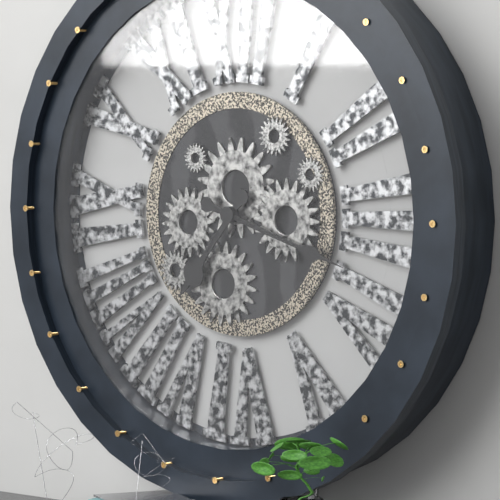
h=7 m=18
